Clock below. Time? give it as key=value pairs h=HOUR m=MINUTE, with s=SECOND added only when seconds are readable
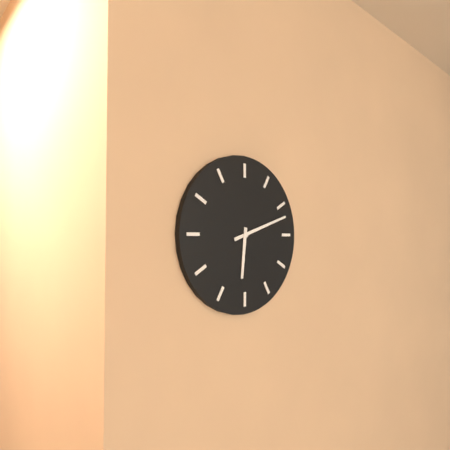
h=6 m=12
